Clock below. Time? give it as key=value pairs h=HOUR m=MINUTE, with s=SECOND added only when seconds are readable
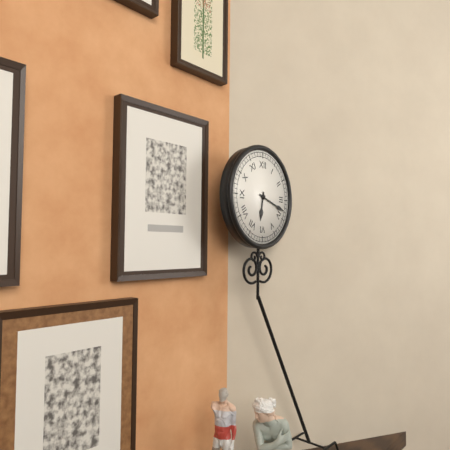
h=6 m=18
